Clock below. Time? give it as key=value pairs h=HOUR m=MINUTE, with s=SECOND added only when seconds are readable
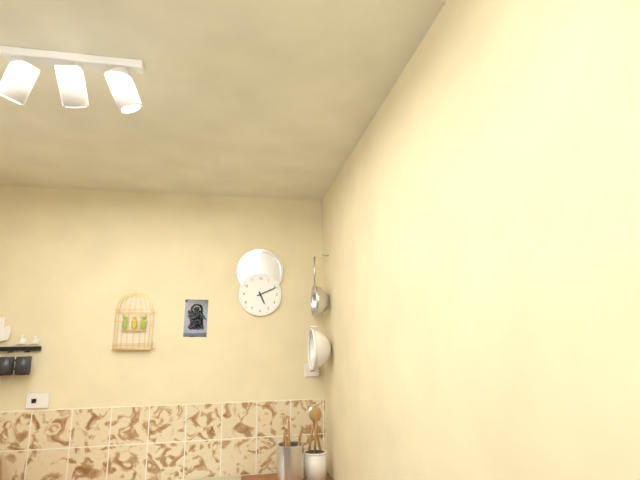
h=5 m=11
